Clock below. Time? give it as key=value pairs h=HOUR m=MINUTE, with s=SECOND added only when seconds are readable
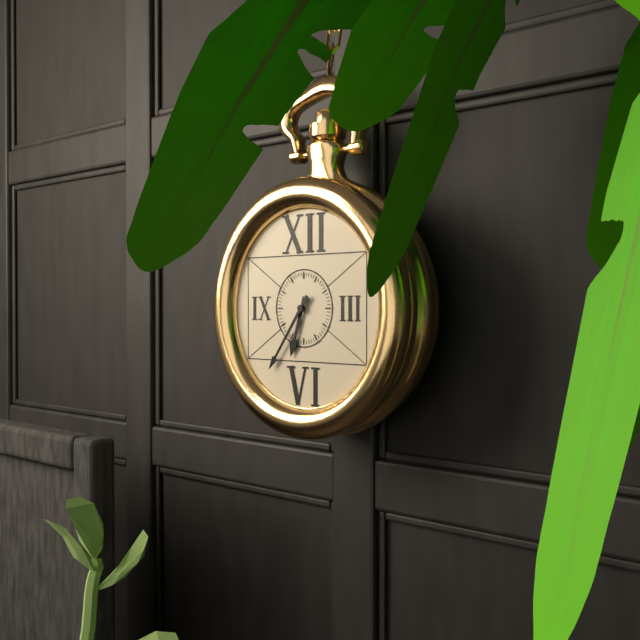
h=6 m=36
